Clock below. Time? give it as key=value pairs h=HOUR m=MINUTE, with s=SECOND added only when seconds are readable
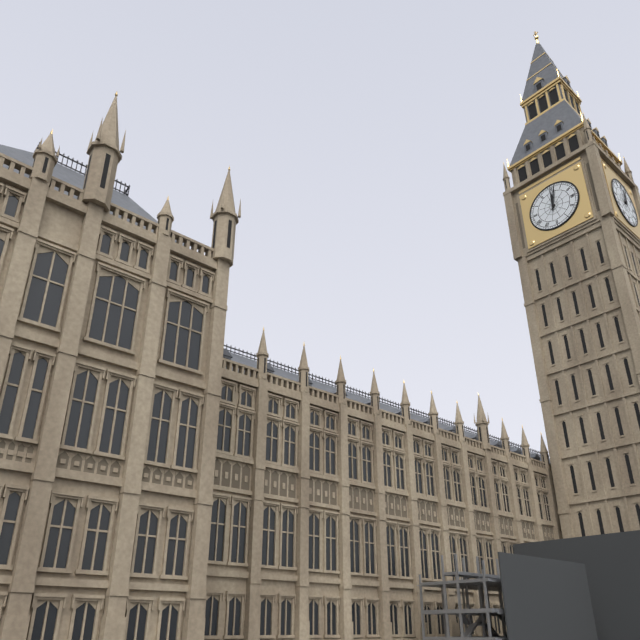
h=12 m=2
